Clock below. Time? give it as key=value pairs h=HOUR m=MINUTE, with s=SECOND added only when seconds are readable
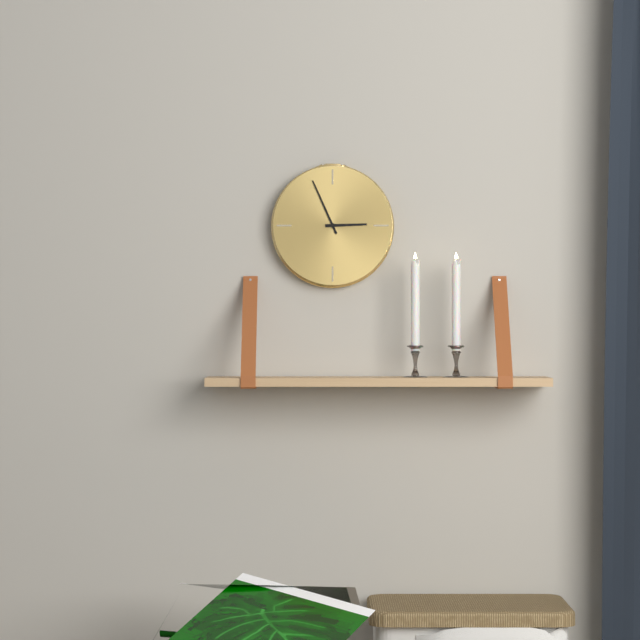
h=2 m=56
